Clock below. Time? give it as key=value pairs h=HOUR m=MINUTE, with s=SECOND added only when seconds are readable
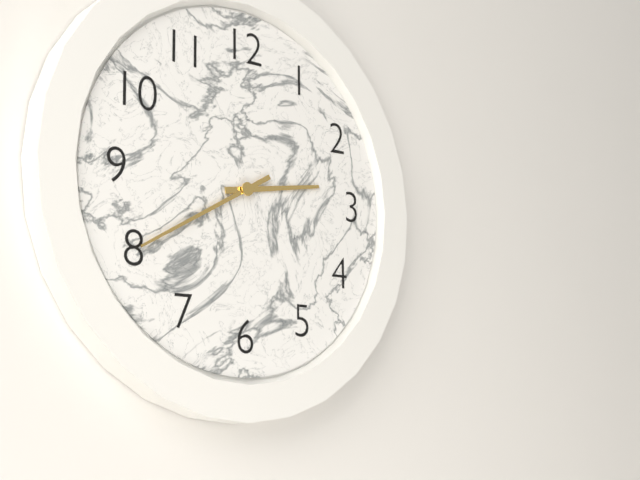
h=2 m=40
